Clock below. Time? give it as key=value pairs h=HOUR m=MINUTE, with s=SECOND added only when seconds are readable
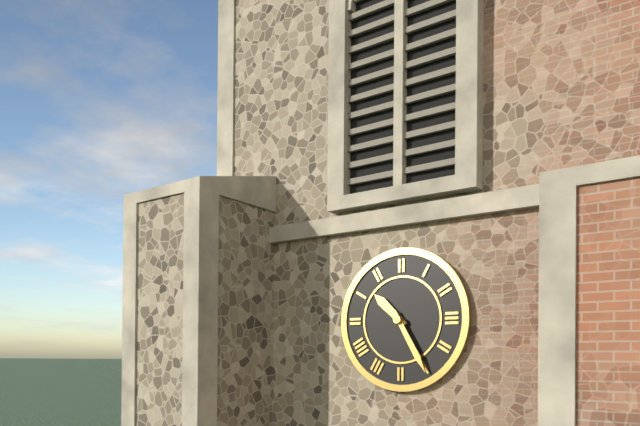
h=10 m=25
